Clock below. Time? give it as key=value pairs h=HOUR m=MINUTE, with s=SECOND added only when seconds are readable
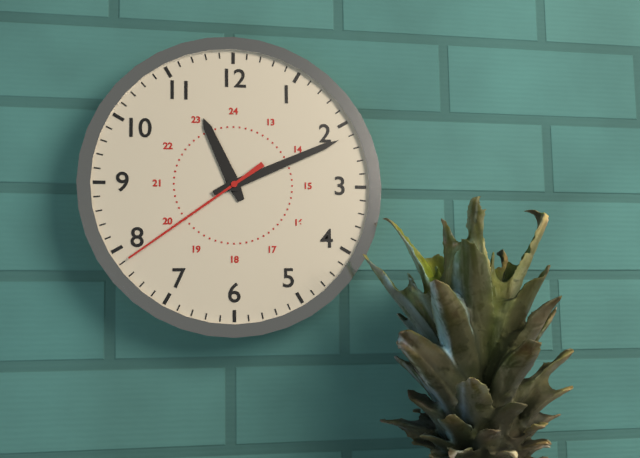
h=11 m=11 s=39
